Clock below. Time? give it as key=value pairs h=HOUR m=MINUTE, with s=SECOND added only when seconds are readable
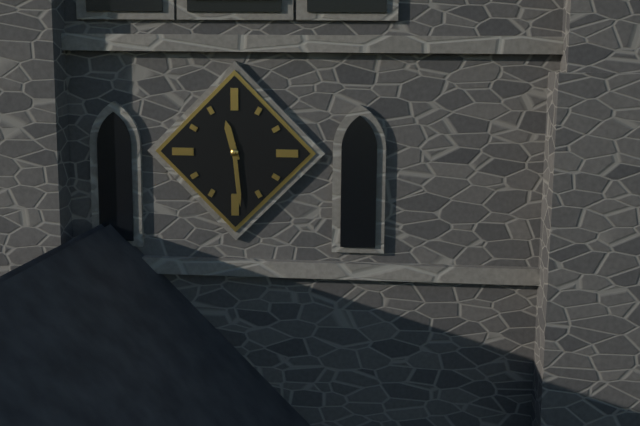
h=11 m=29
